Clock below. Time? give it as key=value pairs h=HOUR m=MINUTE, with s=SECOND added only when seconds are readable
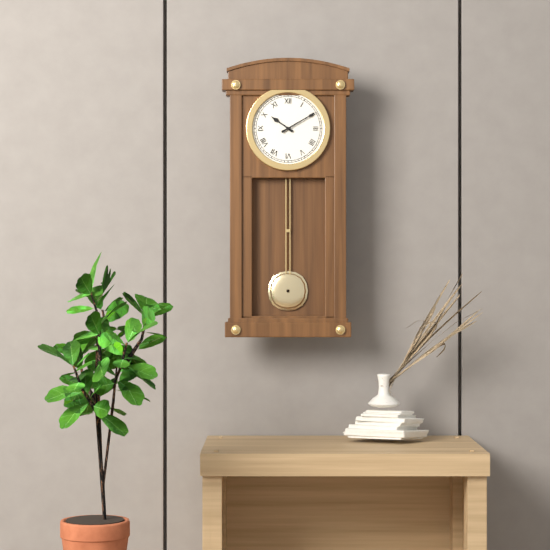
h=10 m=10
